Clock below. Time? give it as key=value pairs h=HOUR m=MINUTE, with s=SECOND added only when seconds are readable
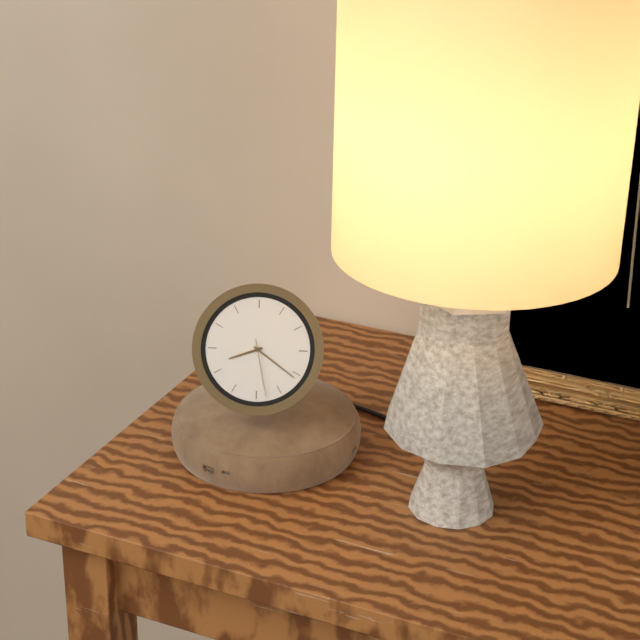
h=8 m=21 s=28
